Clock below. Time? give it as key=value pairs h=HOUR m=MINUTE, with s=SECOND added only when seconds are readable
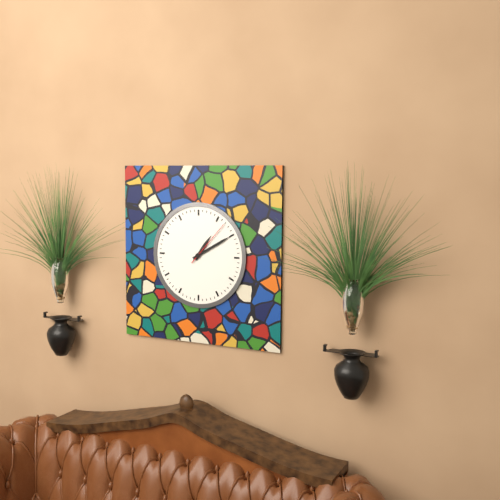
h=1 m=10 s=7
